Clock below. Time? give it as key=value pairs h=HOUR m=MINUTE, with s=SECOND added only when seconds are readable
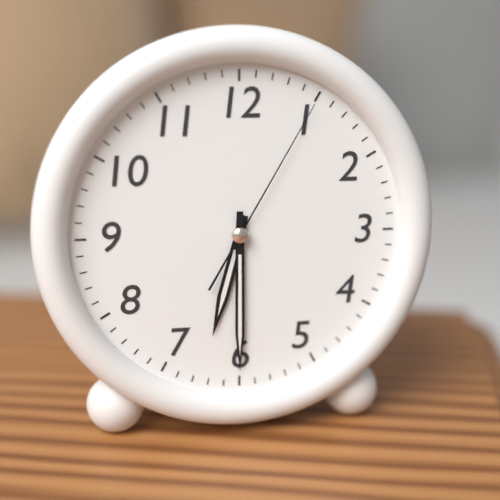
h=6 m=30 s=5
